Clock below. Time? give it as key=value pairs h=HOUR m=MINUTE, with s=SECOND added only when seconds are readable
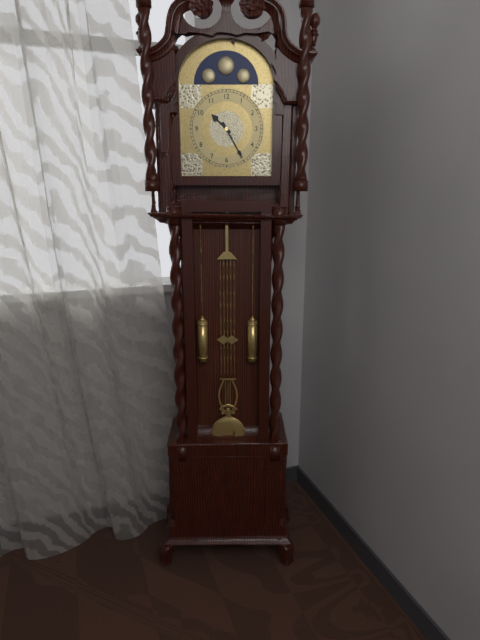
h=10 m=25
